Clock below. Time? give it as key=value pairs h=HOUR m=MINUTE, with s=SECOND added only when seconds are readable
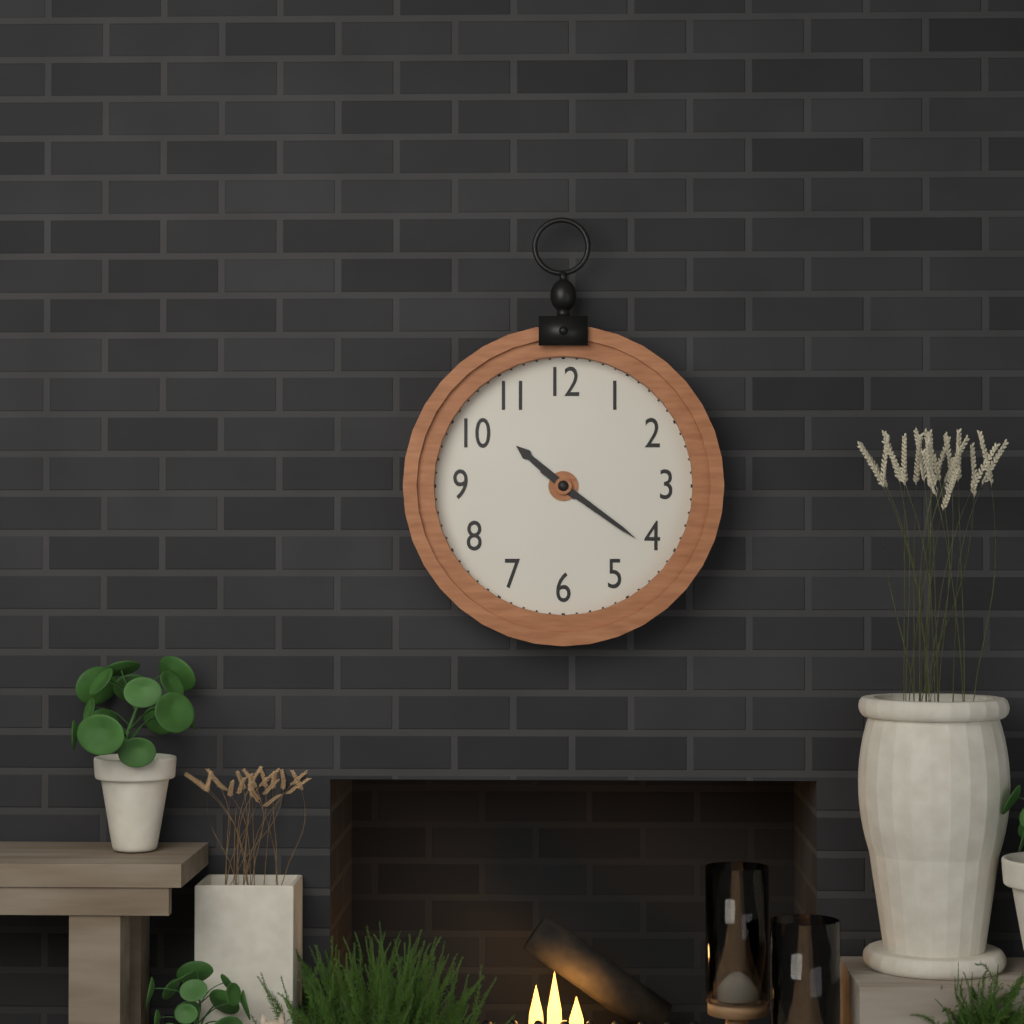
h=10 m=21
